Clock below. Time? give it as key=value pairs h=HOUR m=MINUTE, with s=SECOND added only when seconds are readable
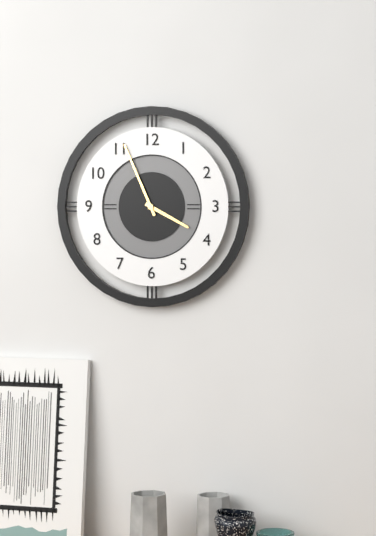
h=3 m=56
